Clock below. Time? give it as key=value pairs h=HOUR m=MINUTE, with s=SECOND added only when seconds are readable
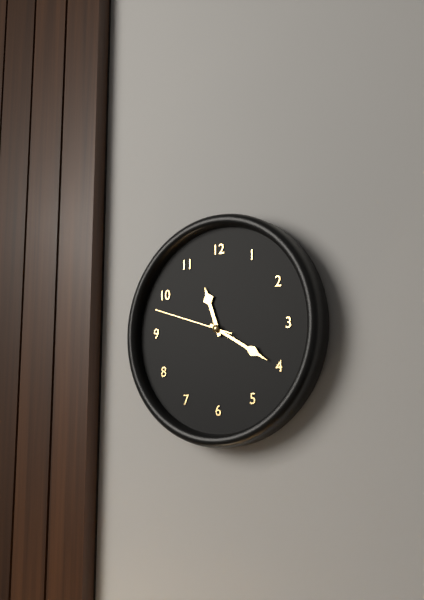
h=11 m=20 s=48
